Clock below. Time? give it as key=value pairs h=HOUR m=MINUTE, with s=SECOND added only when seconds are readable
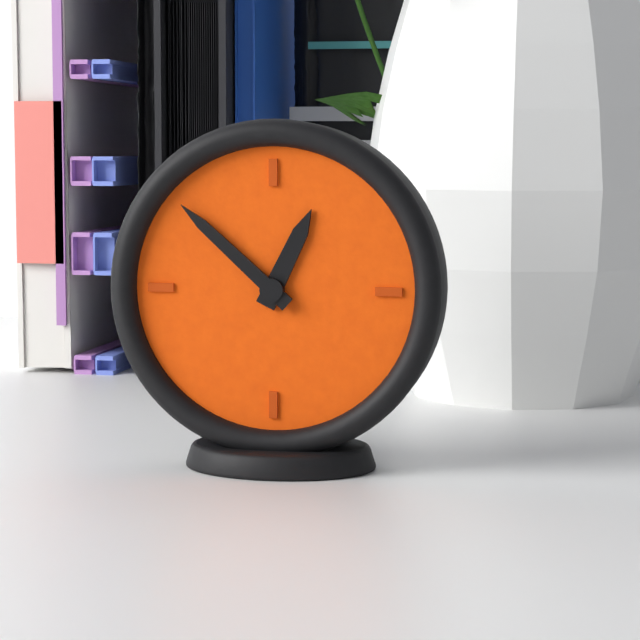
h=12 m=52
